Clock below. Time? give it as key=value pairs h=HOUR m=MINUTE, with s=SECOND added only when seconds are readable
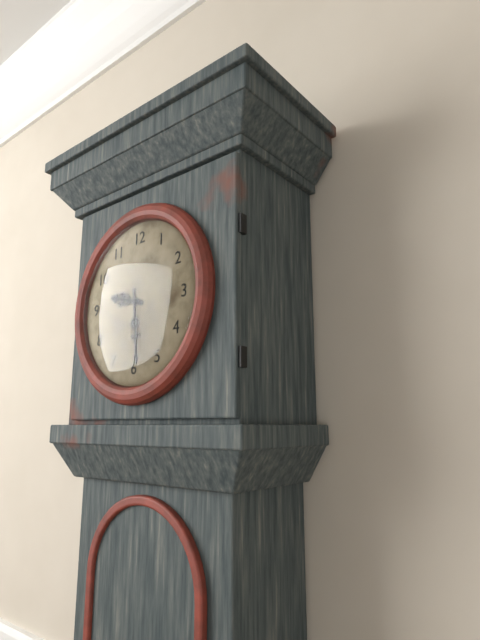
h=9 m=29
